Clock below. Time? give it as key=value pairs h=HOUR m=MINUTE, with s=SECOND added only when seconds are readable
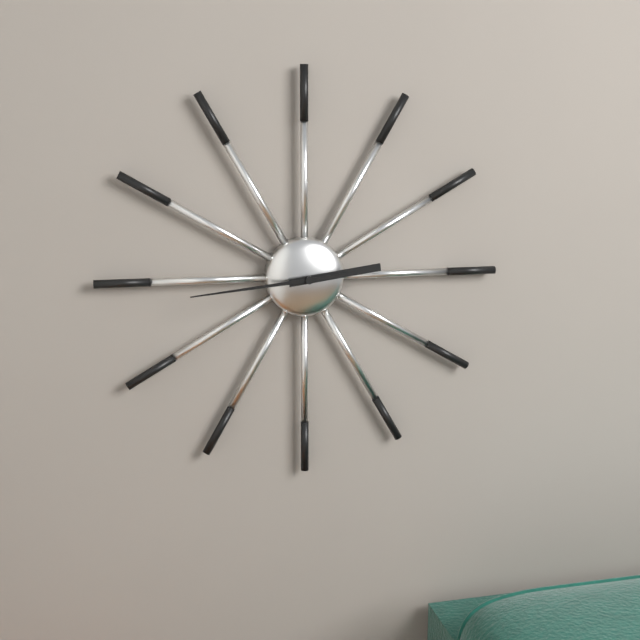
h=2 m=44
